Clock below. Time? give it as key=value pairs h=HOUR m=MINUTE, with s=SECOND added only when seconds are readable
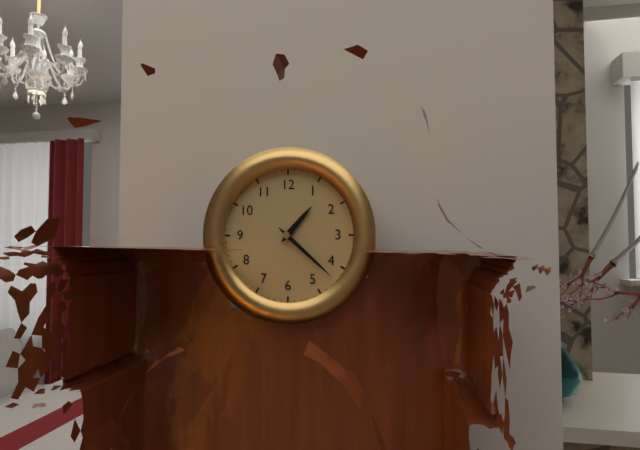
h=1 m=22
